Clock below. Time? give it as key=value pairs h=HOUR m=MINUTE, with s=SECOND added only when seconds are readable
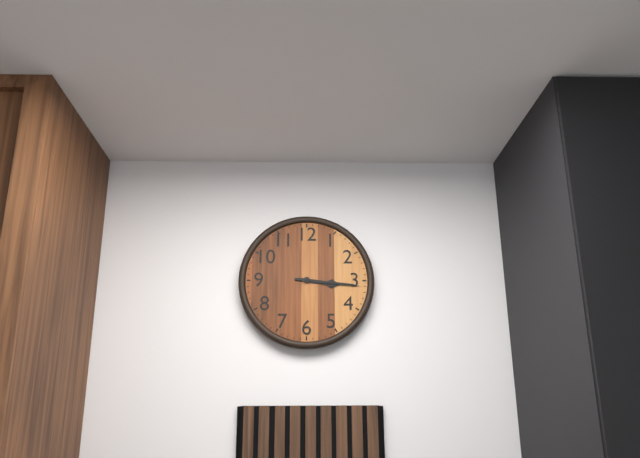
h=3 m=16
